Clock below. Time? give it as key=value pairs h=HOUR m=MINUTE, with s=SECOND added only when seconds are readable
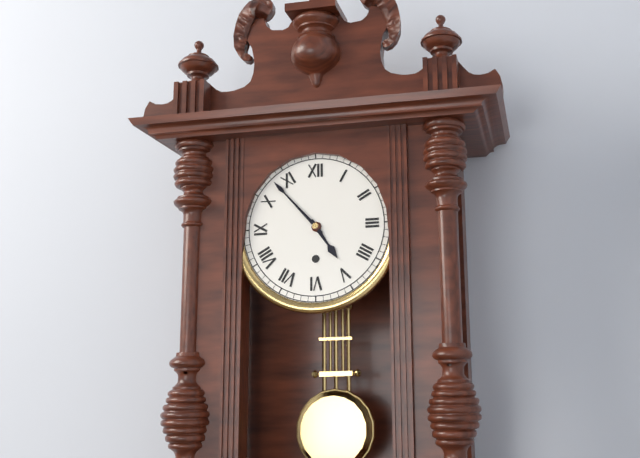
h=4 m=53
